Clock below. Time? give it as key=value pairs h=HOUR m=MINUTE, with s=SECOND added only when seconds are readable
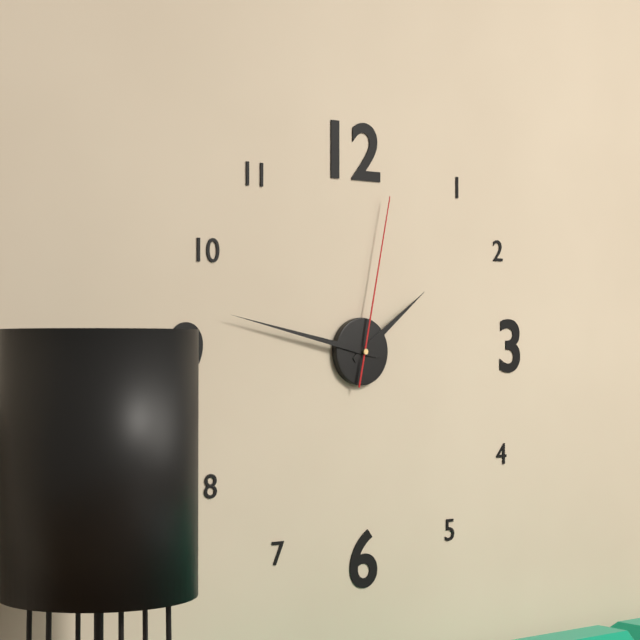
h=1 m=47 s=2
